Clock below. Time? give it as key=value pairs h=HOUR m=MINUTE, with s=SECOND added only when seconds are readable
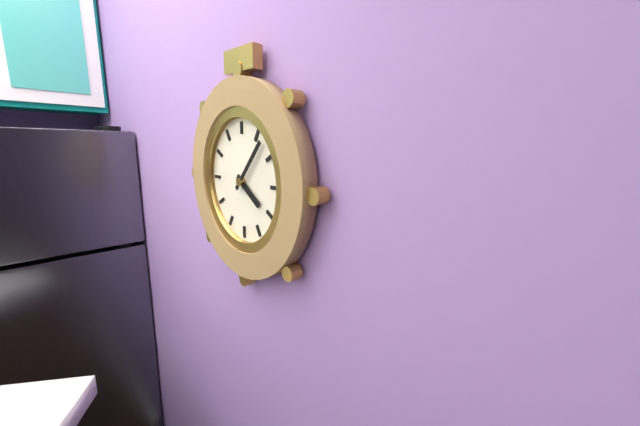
h=4 m=7
